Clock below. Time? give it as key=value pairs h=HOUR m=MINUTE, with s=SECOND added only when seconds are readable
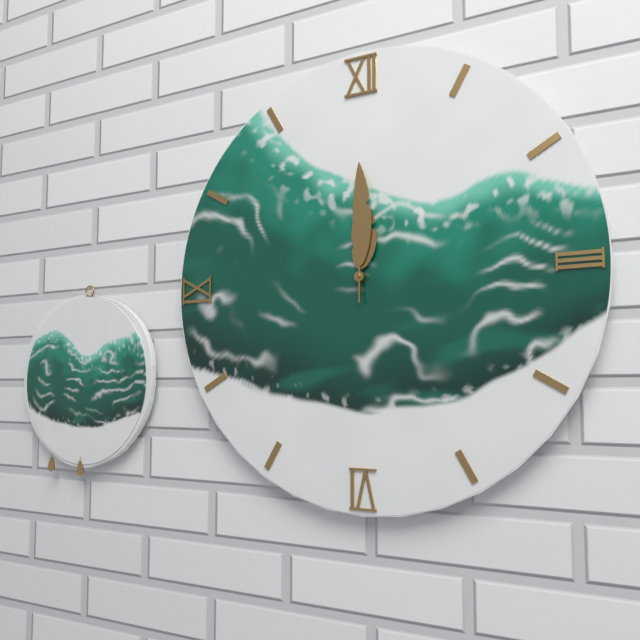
h=12 m=0
